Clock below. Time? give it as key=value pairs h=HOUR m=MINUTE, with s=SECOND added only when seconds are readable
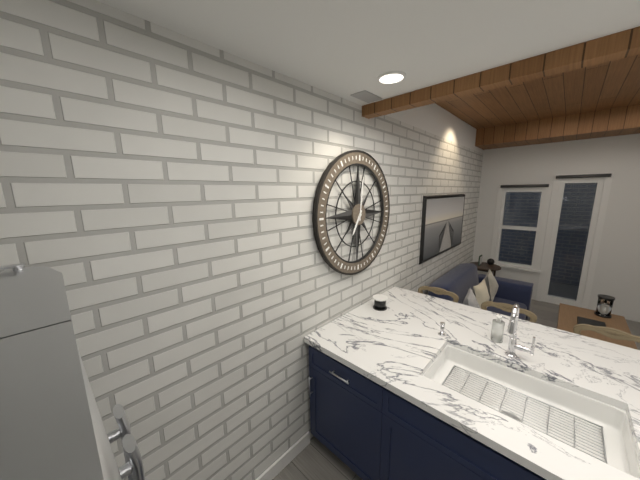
h=7 m=1
